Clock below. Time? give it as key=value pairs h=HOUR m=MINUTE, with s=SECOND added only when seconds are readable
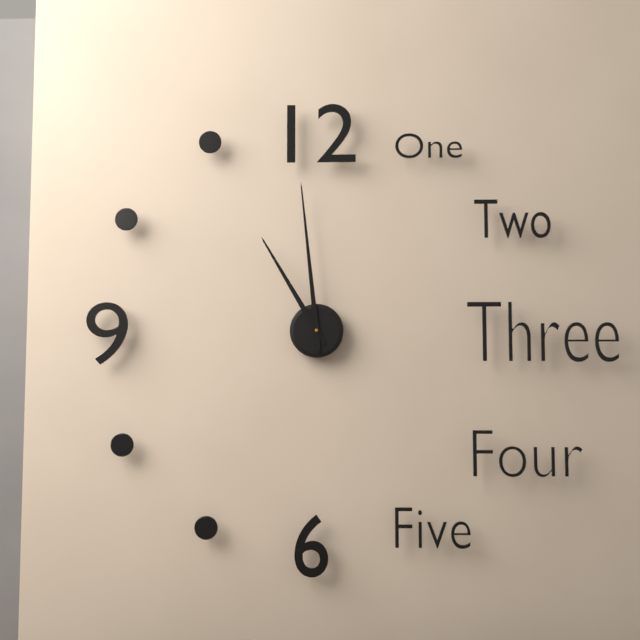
h=10 m=59
